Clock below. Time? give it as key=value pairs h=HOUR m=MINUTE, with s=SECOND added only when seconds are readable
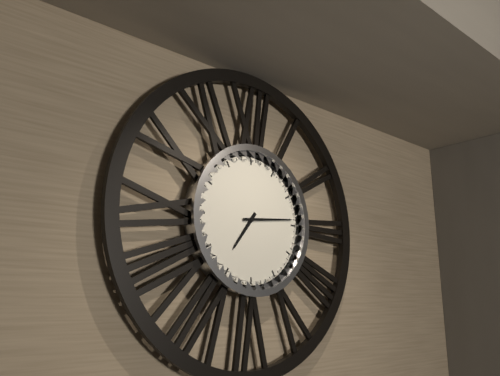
h=7 m=14
